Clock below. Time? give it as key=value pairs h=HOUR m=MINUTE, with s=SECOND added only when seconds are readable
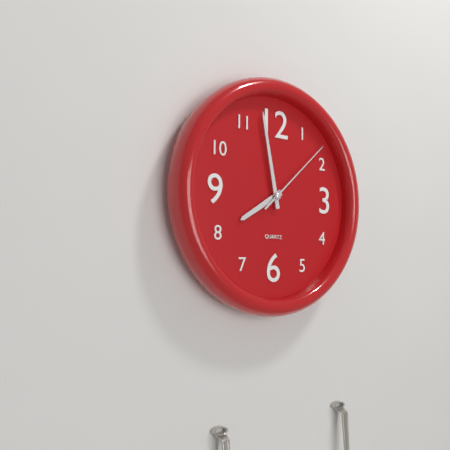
h=7 m=58 s=8
